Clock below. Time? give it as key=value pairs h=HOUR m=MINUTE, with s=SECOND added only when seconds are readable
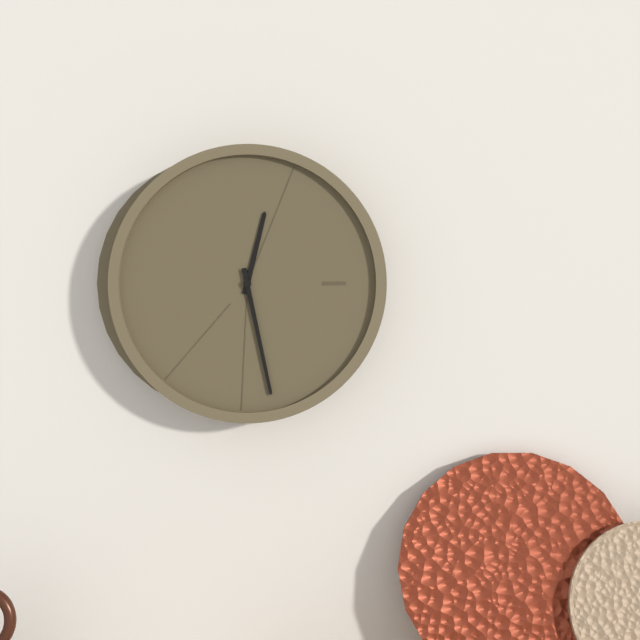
h=12 m=28
